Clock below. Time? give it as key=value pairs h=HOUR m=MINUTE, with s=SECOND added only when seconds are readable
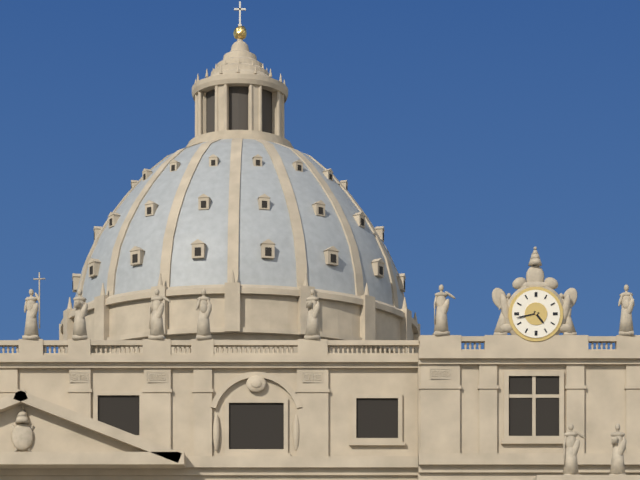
h=4 m=43
